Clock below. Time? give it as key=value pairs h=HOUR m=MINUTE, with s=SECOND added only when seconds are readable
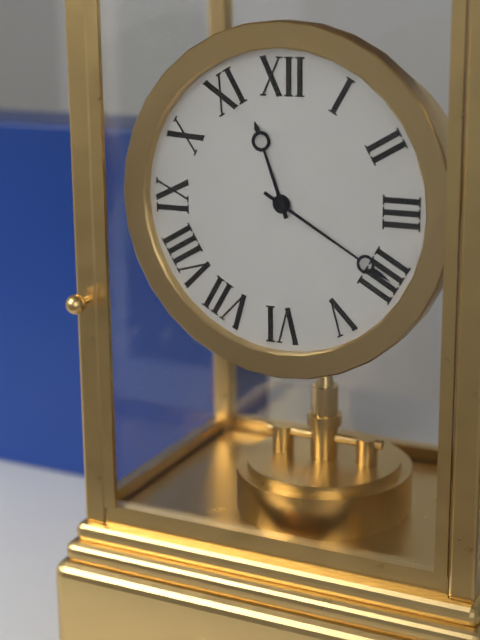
h=11 m=20
